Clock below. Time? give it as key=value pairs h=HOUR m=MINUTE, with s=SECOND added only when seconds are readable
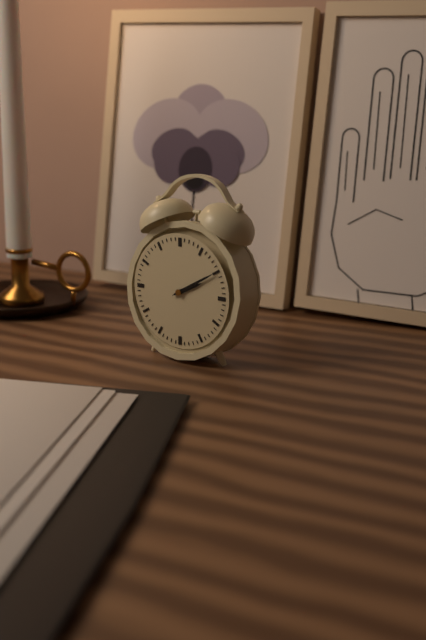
h=2 m=10
